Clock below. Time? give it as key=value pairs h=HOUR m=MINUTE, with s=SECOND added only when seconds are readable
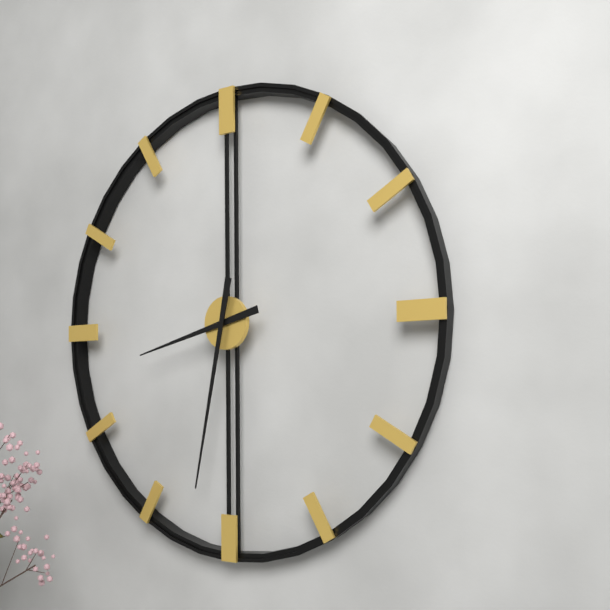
h=8 m=32
